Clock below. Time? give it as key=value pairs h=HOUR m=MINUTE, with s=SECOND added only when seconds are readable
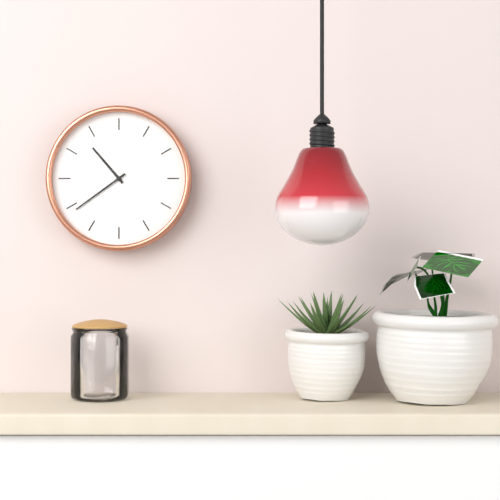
h=10 m=39
